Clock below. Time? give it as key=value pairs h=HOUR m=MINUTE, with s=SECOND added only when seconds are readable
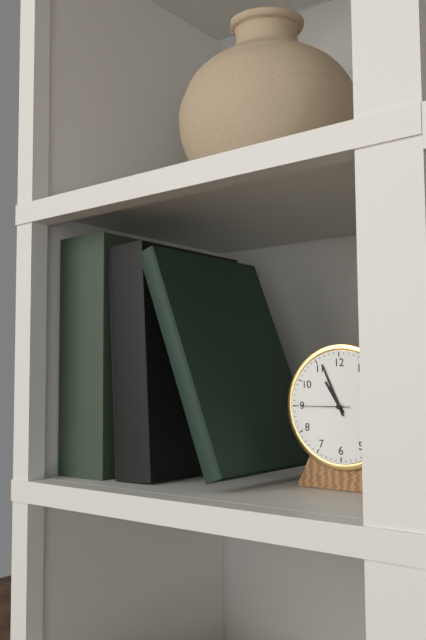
h=10 m=56 s=45
